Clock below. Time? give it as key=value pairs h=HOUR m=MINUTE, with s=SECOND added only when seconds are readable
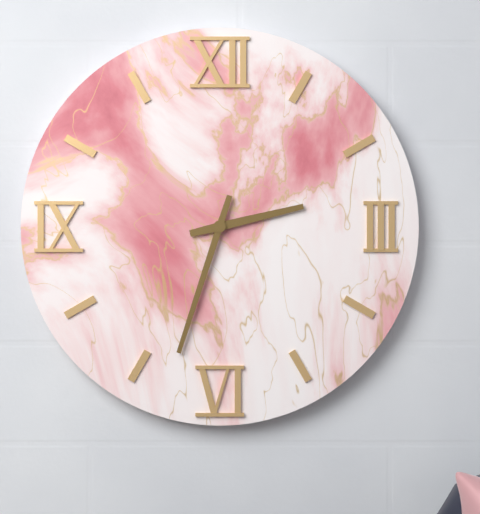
h=2 m=33
